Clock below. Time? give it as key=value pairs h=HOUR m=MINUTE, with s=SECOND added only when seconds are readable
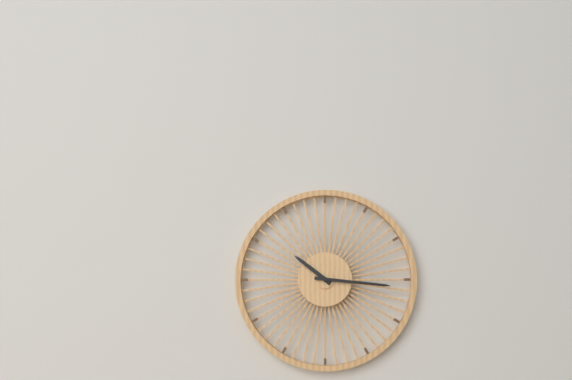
h=10 m=16
